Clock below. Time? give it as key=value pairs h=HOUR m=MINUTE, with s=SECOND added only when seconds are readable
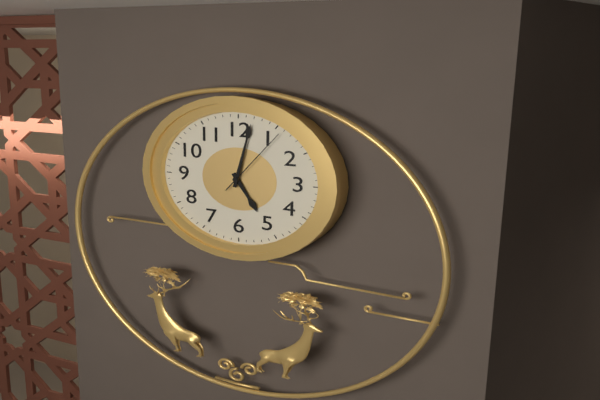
h=5 m=2 s=6
